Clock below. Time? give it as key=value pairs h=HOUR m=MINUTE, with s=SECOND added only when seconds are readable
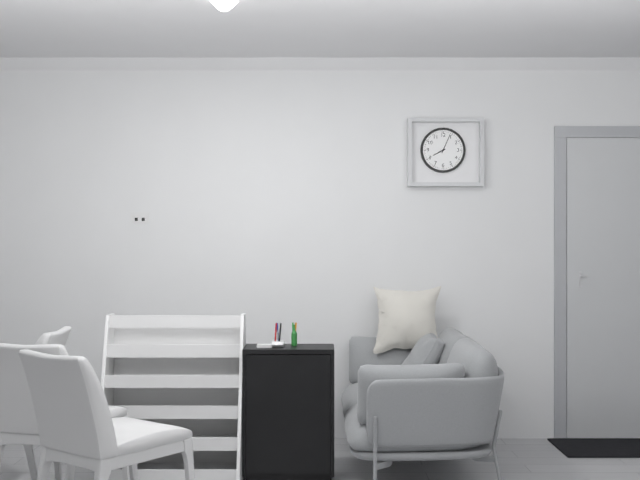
h=8 m=4
